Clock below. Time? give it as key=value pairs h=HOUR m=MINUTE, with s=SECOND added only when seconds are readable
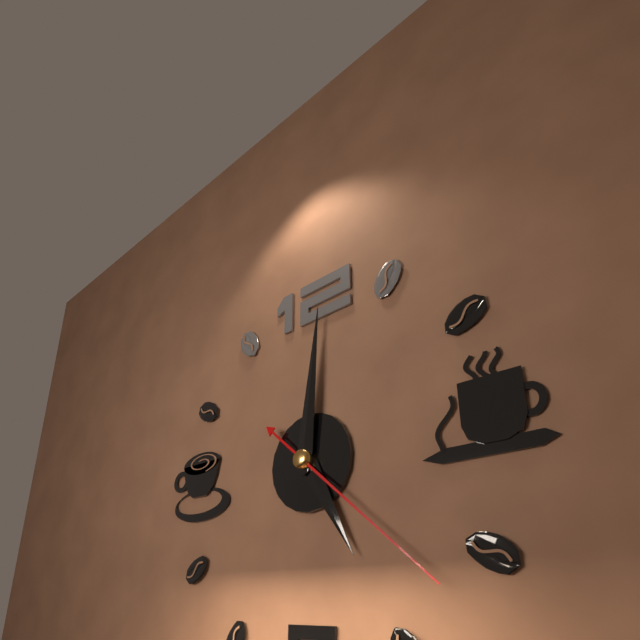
h=5 m=1 s=22
